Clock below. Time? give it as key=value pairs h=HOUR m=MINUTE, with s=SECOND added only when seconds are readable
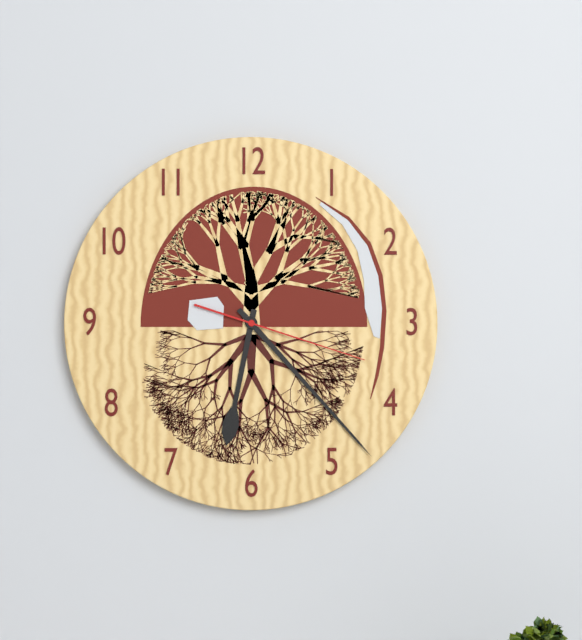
h=6 m=23 s=18
